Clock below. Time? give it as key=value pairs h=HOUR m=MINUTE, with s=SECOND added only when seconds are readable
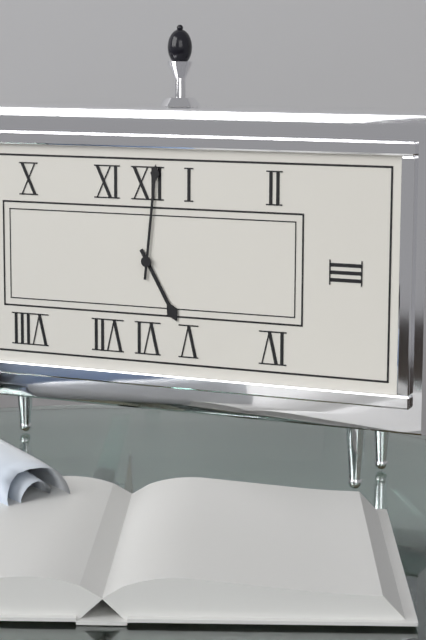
h=5 m=1
